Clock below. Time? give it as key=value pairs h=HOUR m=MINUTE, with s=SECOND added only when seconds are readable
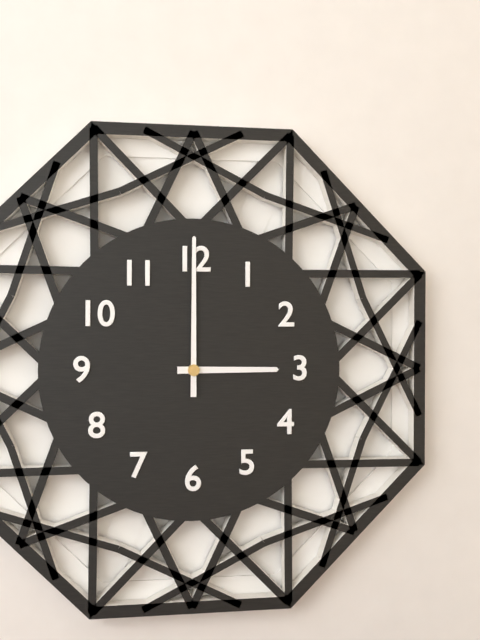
h=3 m=0
